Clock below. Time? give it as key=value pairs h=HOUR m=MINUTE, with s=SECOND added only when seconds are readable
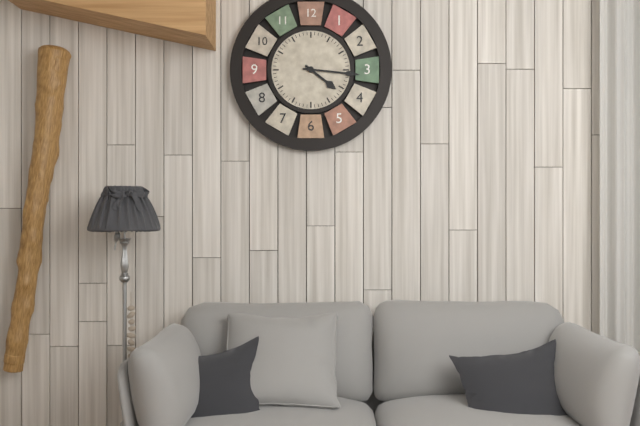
h=4 m=16
